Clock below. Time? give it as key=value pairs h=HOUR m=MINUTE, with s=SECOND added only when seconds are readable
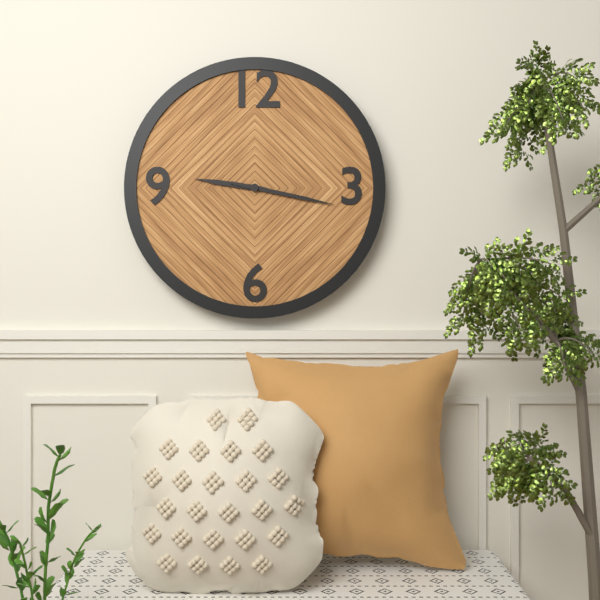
h=9 m=17
